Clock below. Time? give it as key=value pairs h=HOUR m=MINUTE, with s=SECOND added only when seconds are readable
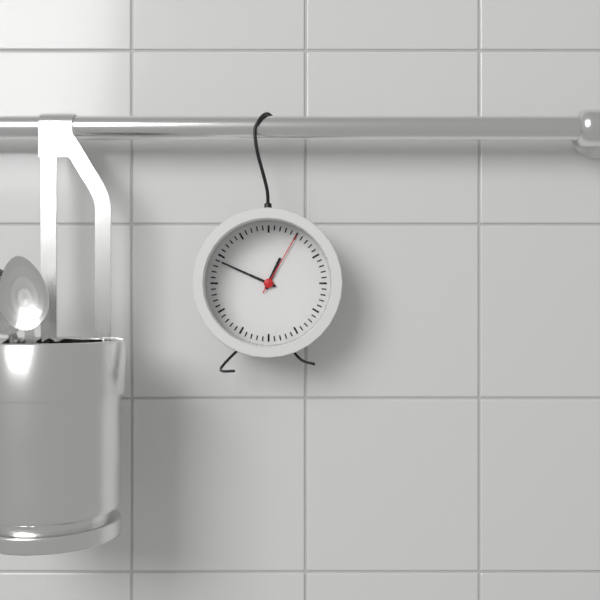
h=12 m=49 s=5
